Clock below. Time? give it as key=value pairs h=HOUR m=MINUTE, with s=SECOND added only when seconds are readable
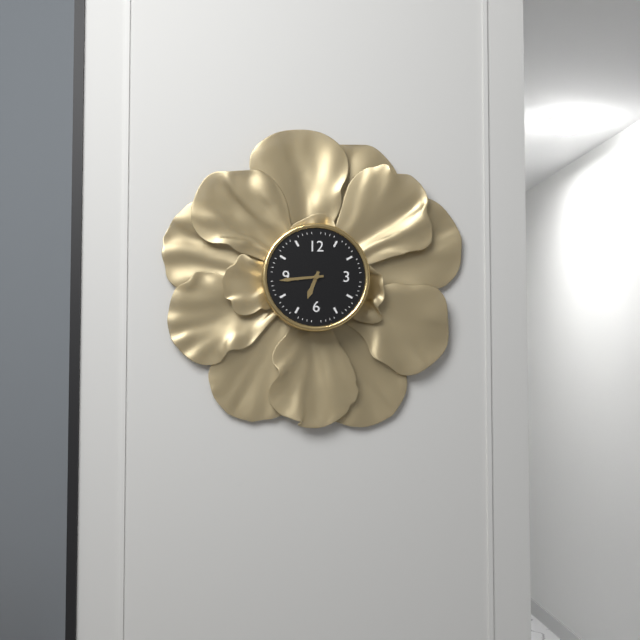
h=6 m=44
